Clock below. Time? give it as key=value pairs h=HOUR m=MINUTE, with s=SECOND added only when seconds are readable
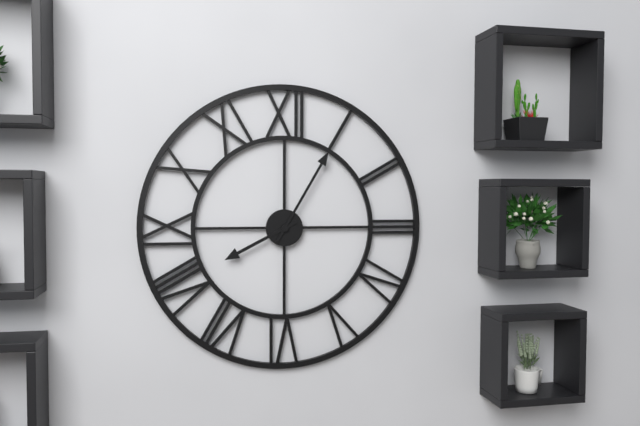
h=8 m=5
